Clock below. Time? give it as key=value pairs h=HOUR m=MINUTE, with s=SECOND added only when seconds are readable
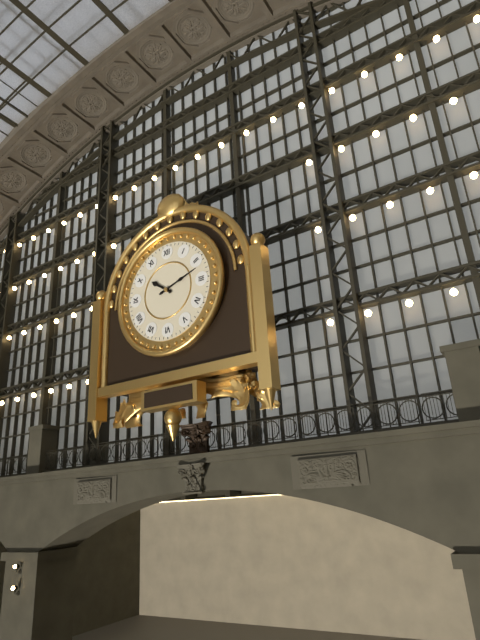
h=10 m=12
